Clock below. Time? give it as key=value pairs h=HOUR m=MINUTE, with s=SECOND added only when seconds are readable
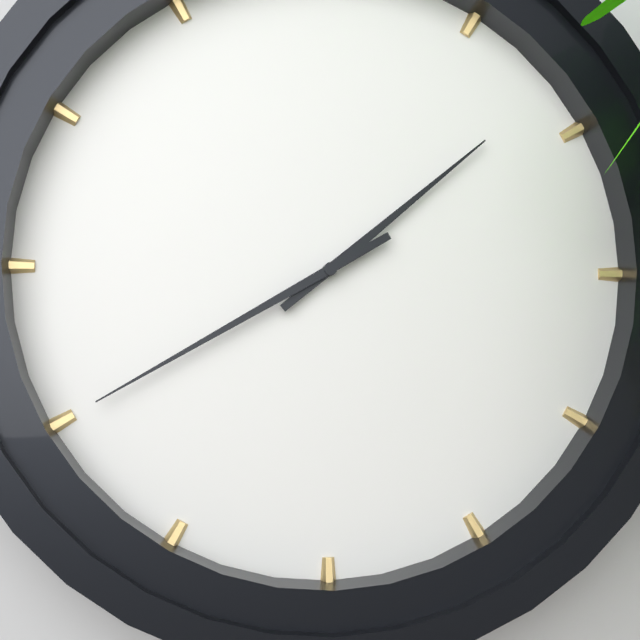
h=1 m=40
